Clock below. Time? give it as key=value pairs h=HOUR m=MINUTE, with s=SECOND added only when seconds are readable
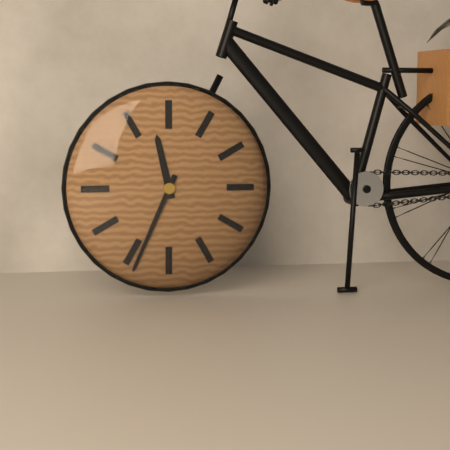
h=11 m=34
